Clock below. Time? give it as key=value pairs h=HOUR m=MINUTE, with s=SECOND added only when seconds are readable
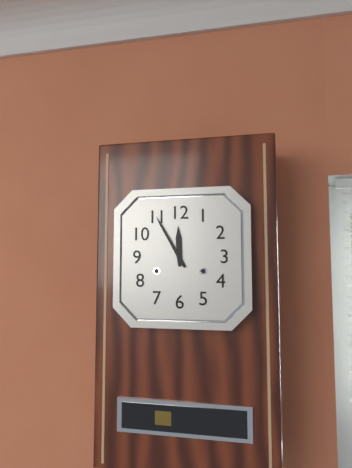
h=11 m=55
